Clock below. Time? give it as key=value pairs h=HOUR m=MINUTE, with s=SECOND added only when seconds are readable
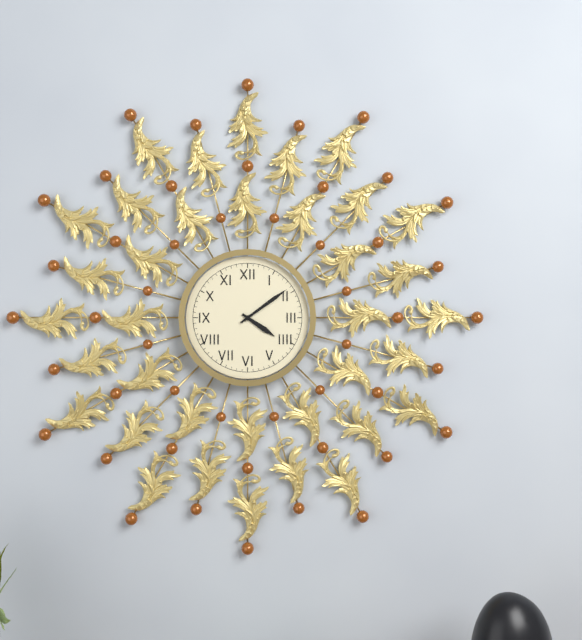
h=4 m=9
